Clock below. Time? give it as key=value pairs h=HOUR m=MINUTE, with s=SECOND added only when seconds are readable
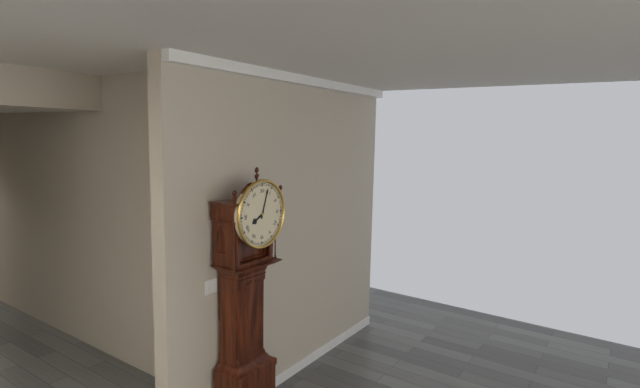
h=8 m=3
